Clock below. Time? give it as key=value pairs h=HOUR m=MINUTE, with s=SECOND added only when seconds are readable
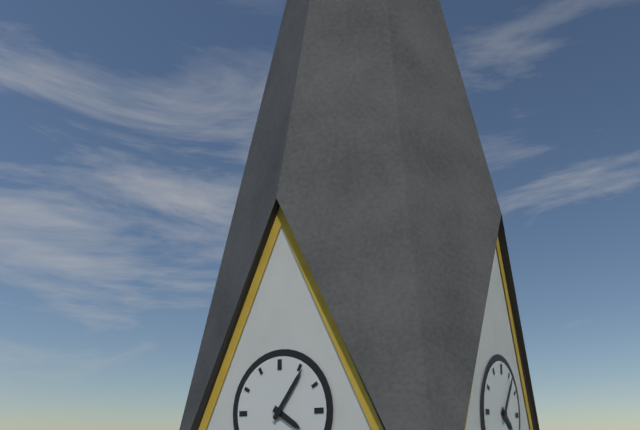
h=4 m=6
